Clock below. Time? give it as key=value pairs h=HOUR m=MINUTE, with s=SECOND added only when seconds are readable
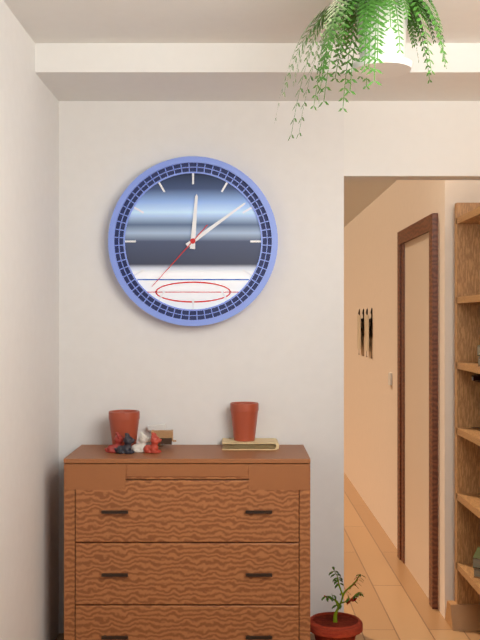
h=12 m=9 s=37
